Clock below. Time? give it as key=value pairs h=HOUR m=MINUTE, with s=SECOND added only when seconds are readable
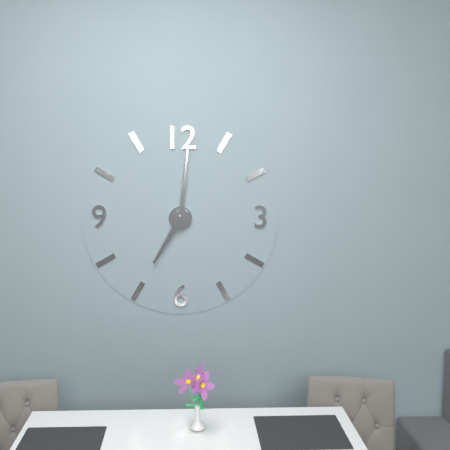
h=7 m=1
